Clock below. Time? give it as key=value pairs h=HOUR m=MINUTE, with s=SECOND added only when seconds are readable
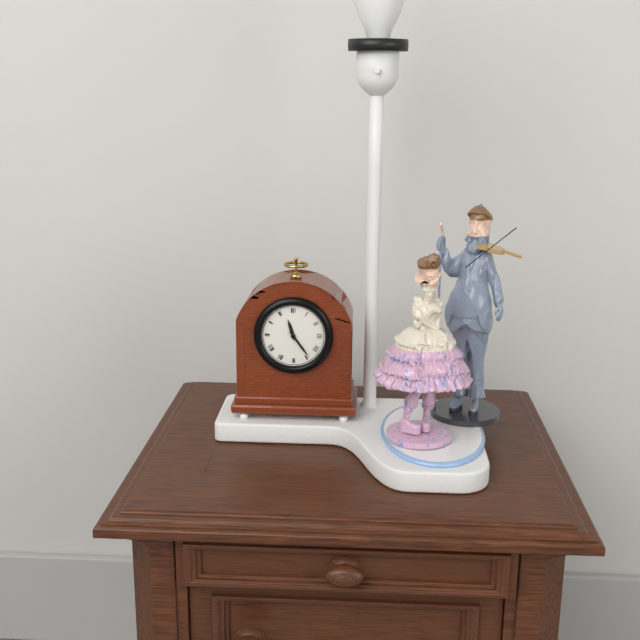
h=11 m=24
